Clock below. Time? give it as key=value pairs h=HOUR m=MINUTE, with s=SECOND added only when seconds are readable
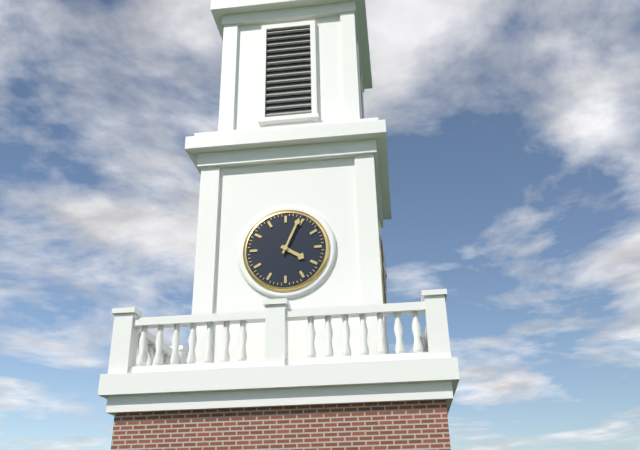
h=4 m=4
